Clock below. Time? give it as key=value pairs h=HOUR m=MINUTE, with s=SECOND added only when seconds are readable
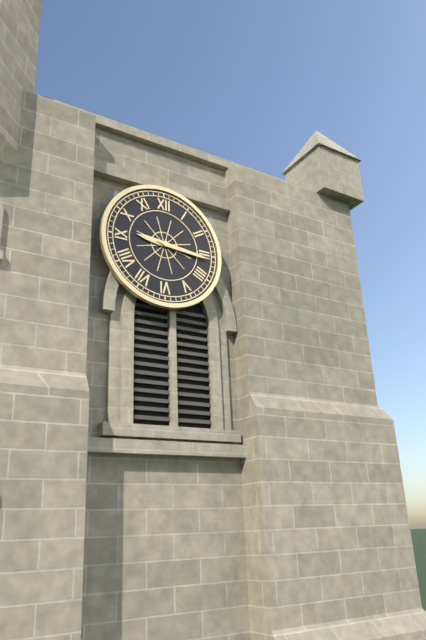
h=9 m=16
